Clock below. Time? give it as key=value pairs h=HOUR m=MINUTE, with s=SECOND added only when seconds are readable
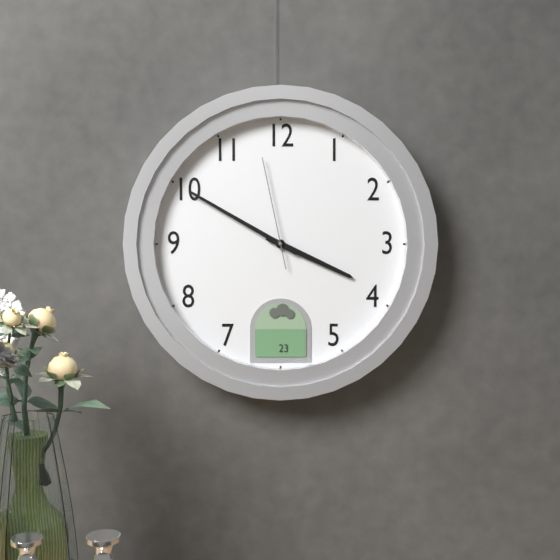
h=3 m=50 s=58
